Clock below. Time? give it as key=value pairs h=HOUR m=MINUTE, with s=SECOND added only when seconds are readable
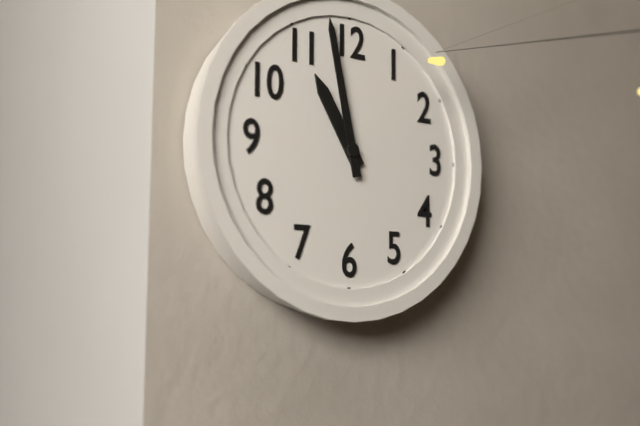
h=10 m=58
